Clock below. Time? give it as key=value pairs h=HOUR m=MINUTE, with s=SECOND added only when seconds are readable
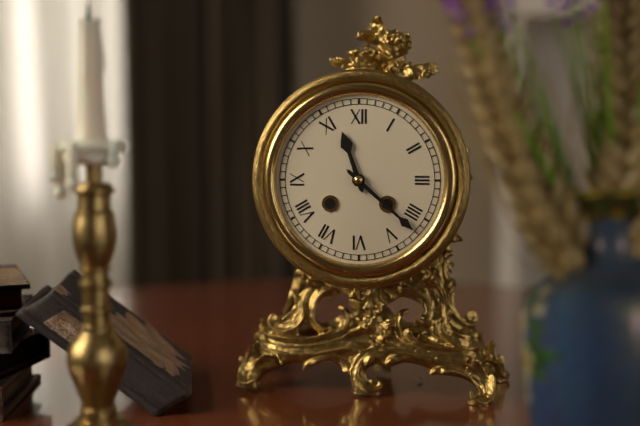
h=11 m=22
